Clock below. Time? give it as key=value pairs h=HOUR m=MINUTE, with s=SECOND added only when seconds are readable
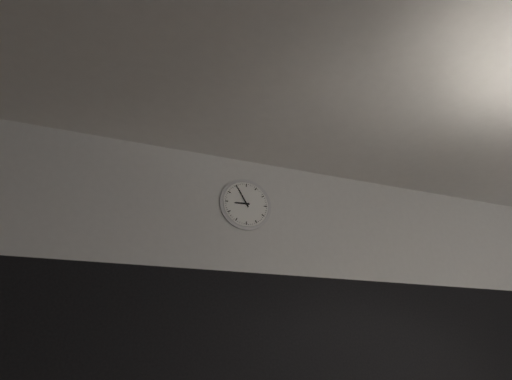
h=8 m=55
